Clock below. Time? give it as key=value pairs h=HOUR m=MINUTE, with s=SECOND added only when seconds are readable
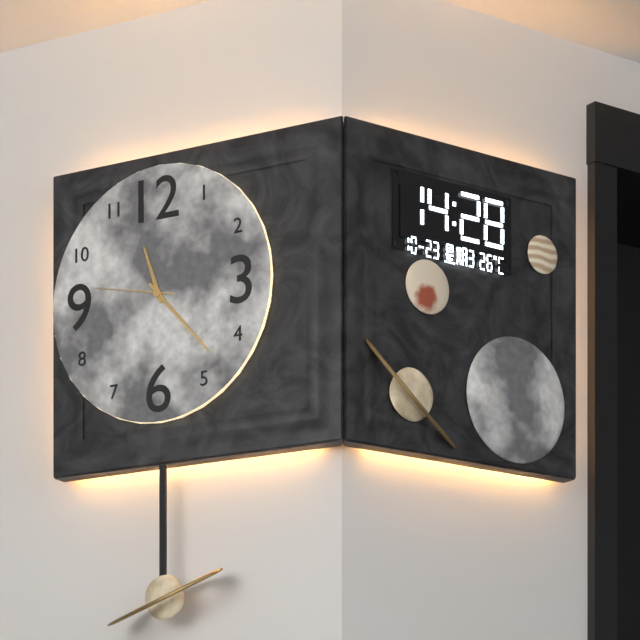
h=11 m=23 s=47
